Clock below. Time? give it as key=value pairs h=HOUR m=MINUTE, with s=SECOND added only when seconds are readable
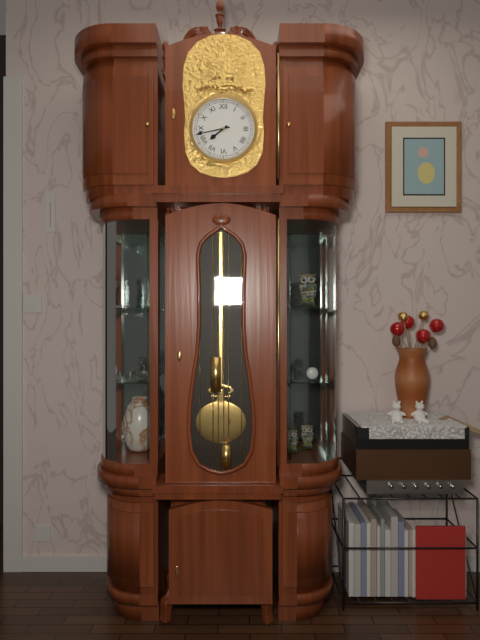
h=7 m=43
